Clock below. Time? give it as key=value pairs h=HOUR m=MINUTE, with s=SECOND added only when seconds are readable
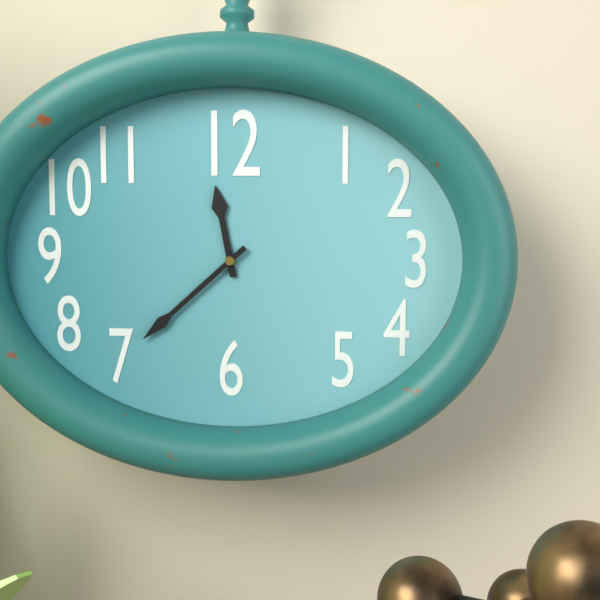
h=11 m=38
